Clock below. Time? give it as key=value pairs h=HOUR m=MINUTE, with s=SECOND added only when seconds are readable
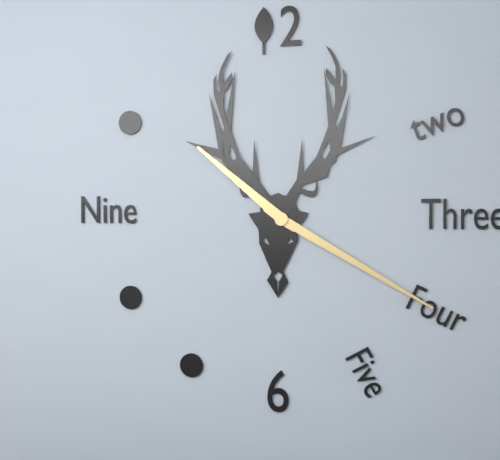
h=10 m=20
